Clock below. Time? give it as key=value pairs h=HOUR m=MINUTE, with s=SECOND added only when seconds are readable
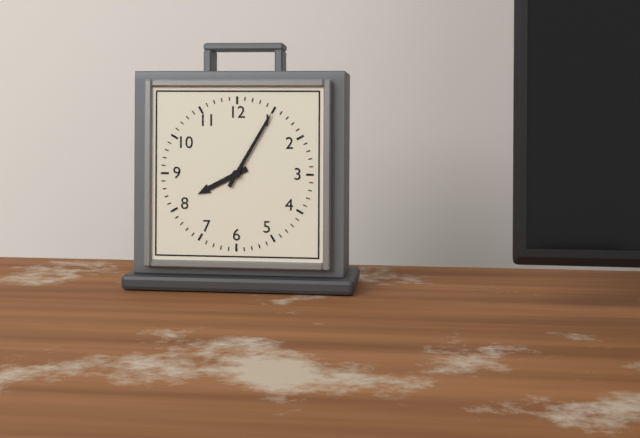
h=8 m=5
